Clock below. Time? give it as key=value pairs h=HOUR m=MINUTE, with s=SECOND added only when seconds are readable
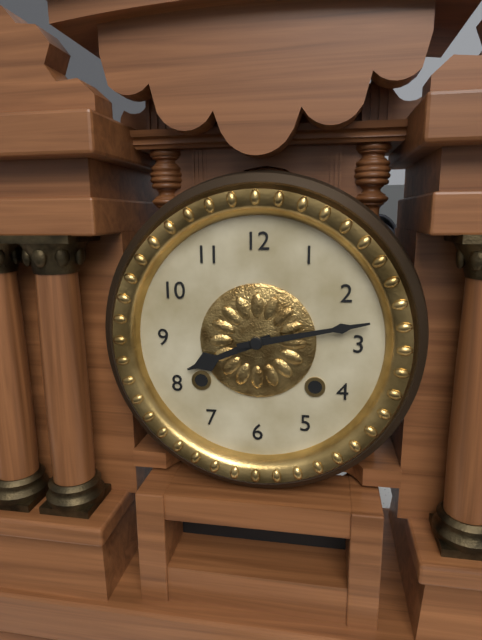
h=8 m=13
